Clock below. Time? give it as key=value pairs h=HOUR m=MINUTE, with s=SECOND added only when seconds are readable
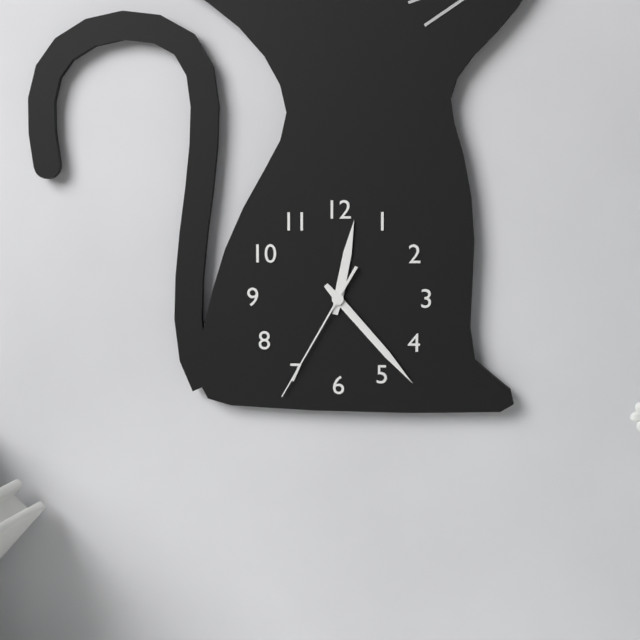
h=12 m=23 s=35
